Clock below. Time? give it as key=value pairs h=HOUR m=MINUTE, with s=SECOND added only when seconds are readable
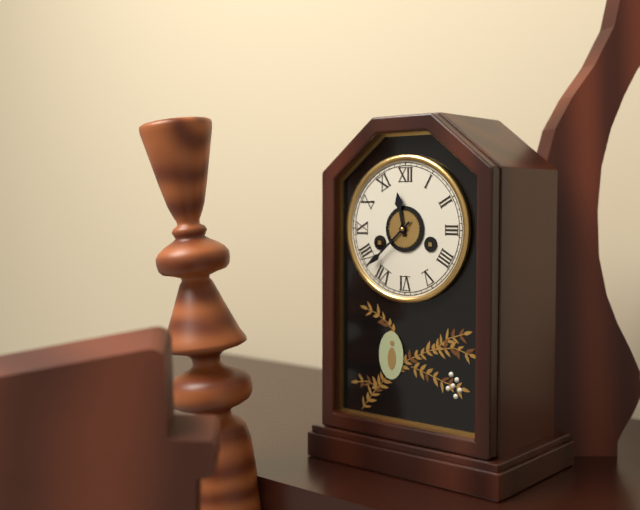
h=11 m=38
